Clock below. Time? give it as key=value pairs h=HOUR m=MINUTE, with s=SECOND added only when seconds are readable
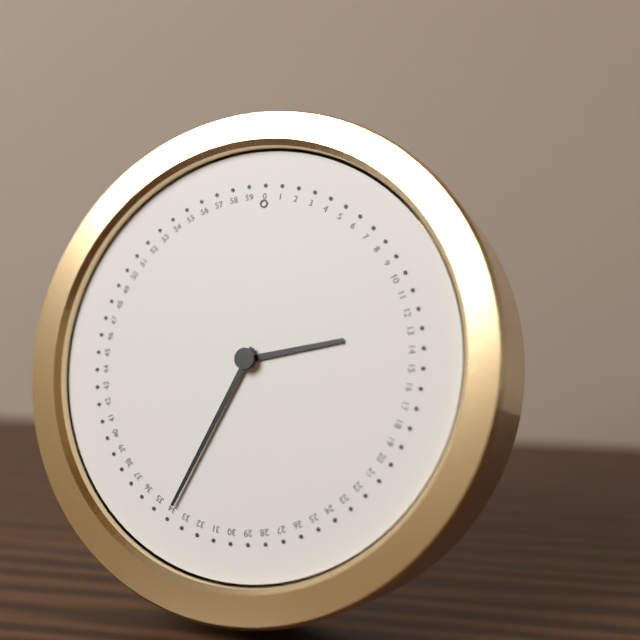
h=2 m=34
